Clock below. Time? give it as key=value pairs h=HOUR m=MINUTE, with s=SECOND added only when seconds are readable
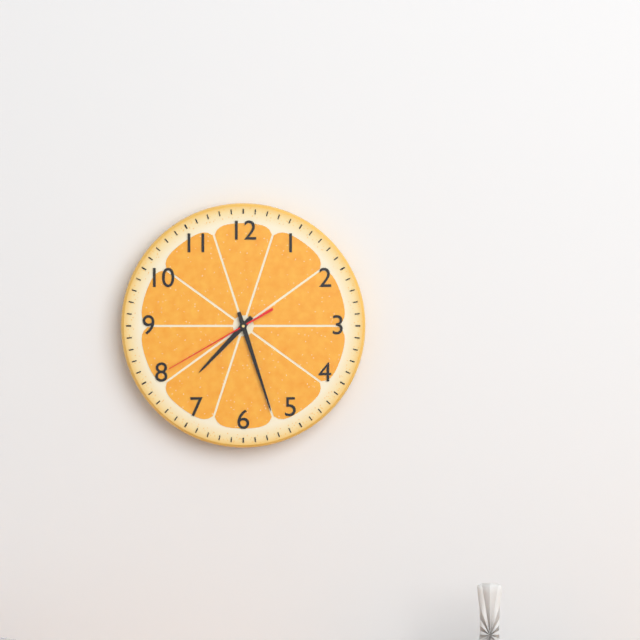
h=7 m=27 s=40
